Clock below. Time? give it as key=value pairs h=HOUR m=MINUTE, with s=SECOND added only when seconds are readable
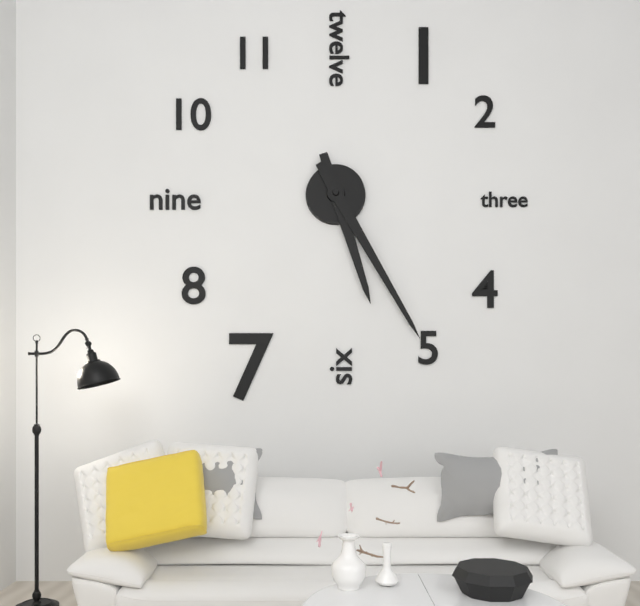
h=5 m=25
